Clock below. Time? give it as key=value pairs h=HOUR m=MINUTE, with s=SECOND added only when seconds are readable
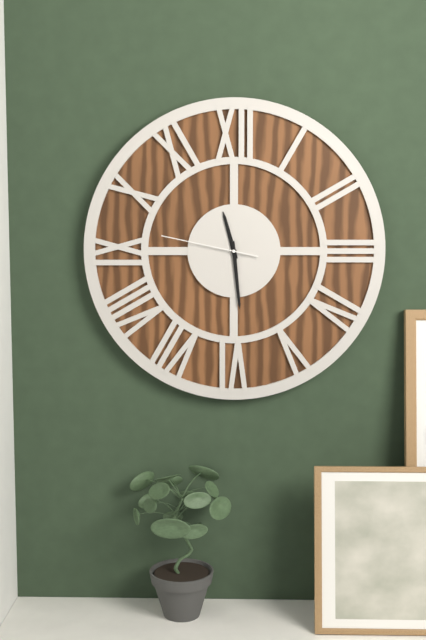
h=11 m=29 s=47
